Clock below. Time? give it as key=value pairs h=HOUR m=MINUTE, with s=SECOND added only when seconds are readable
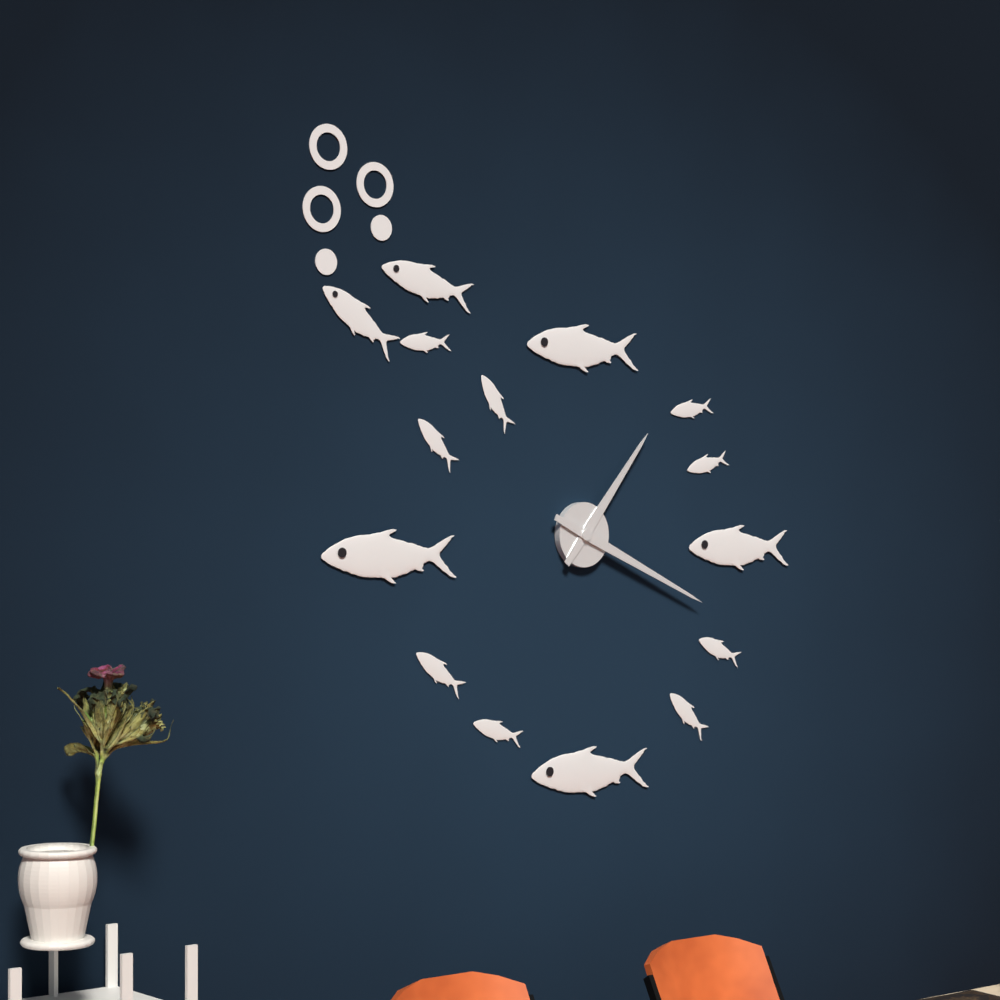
h=1 m=19
